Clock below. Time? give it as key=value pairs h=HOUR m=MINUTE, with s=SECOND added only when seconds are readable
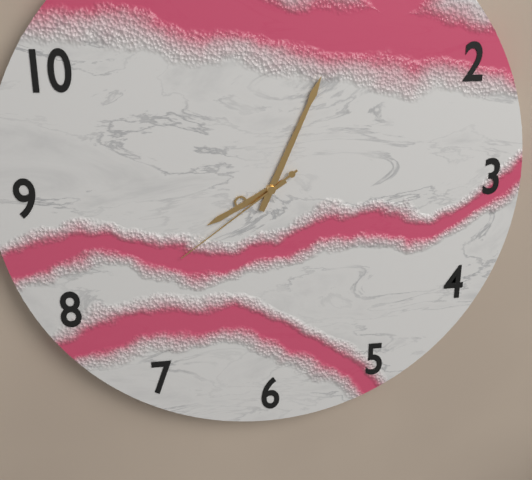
h=8 m=4 s=39
